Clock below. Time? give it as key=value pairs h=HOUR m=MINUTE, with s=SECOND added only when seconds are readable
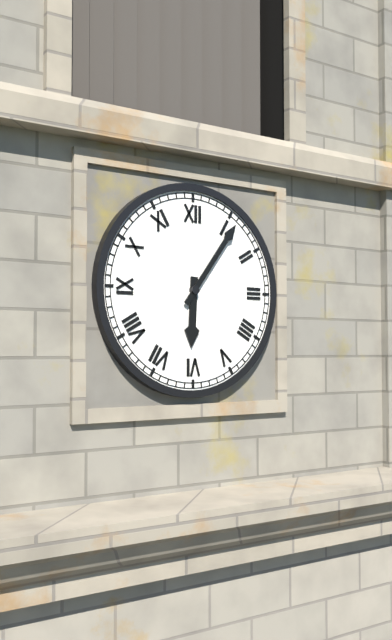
h=6 m=6
